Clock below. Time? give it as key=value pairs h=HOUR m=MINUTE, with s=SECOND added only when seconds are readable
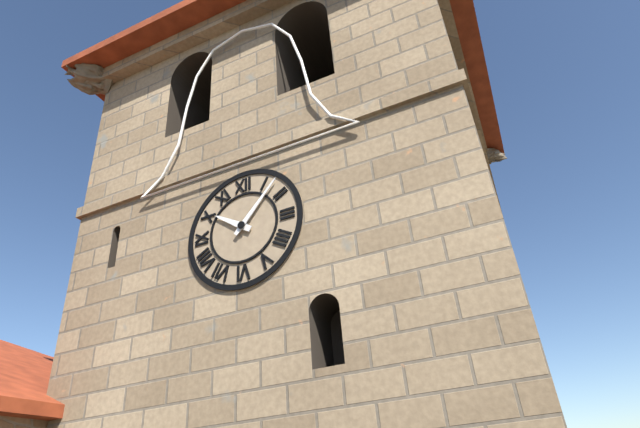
h=10 m=7
